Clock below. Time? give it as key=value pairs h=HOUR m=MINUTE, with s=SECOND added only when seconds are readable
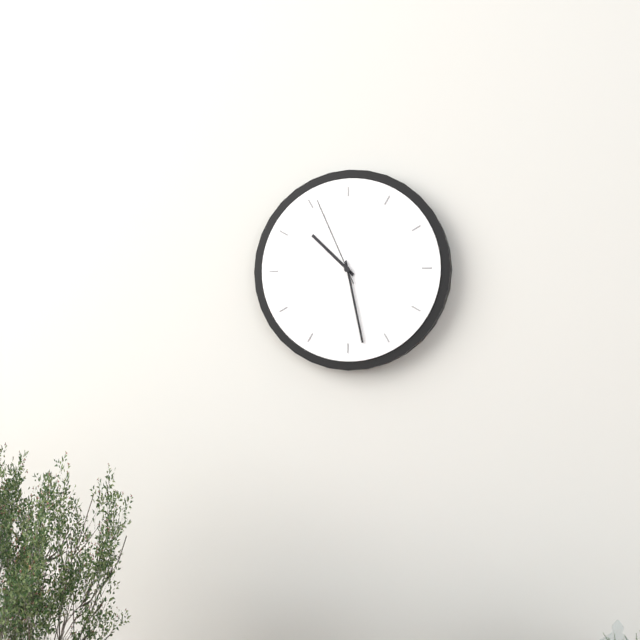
h=10 m=28 s=56
